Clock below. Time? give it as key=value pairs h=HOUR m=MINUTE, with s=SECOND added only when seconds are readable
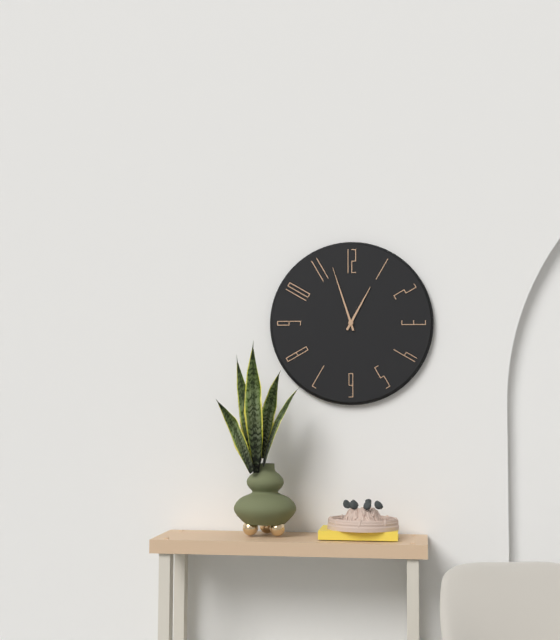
h=12 m=57
